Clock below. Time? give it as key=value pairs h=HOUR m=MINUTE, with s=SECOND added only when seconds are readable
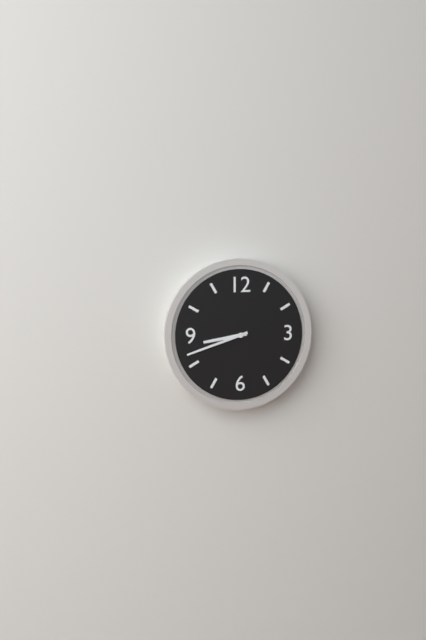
h=8 m=42
